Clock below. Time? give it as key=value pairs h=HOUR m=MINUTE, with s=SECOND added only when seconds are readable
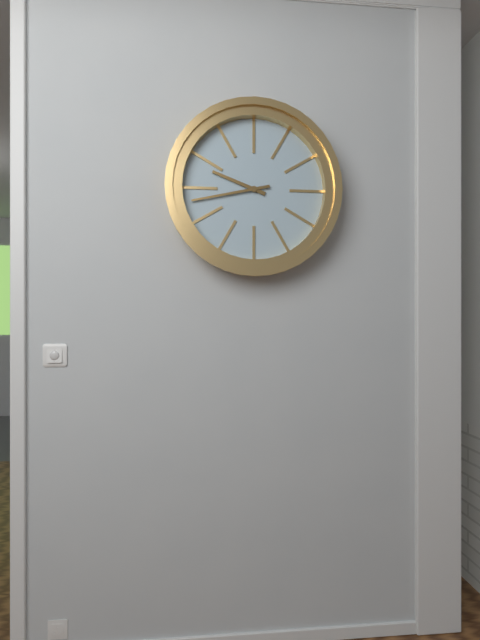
h=9 m=43
